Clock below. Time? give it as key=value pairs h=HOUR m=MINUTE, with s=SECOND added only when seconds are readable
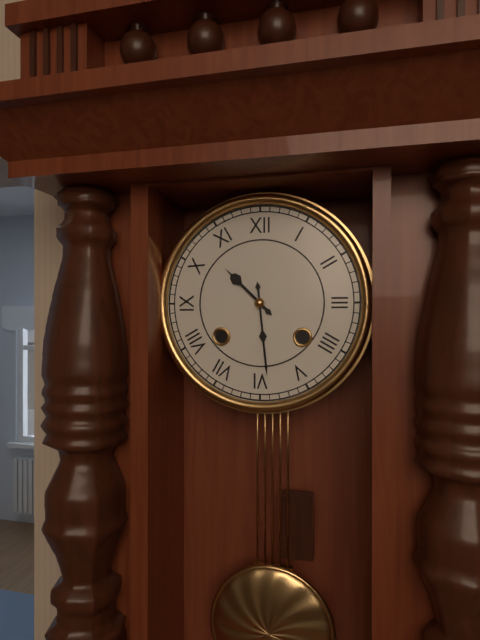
h=10 m=29
